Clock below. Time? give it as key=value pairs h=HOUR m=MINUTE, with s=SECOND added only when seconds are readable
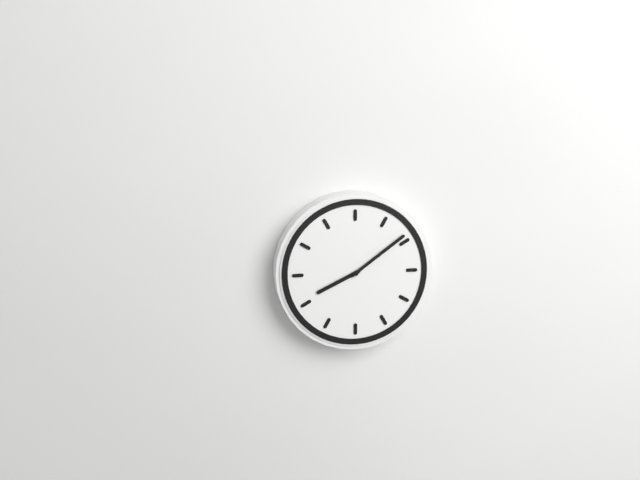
h=8 m=9
